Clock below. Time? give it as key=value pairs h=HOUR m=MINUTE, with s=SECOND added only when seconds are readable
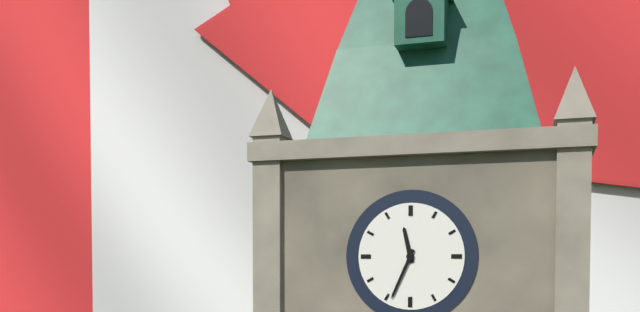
h=11 m=34
